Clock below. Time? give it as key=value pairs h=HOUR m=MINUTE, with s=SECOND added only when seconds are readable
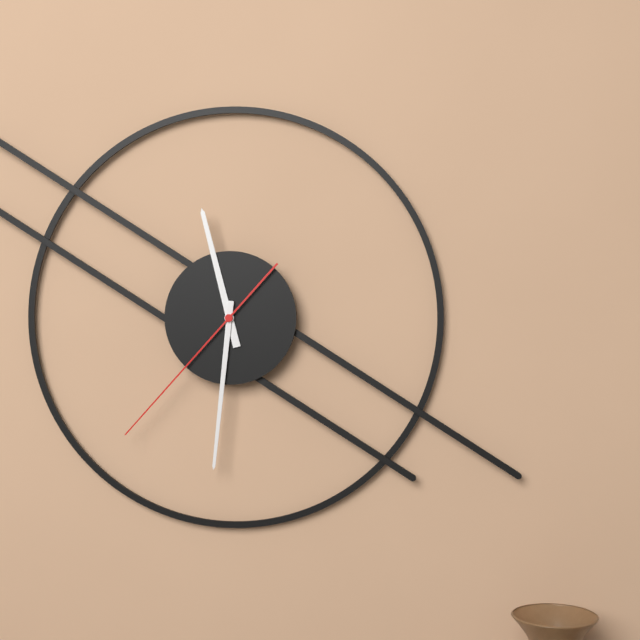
h=11 m=31 s=37
